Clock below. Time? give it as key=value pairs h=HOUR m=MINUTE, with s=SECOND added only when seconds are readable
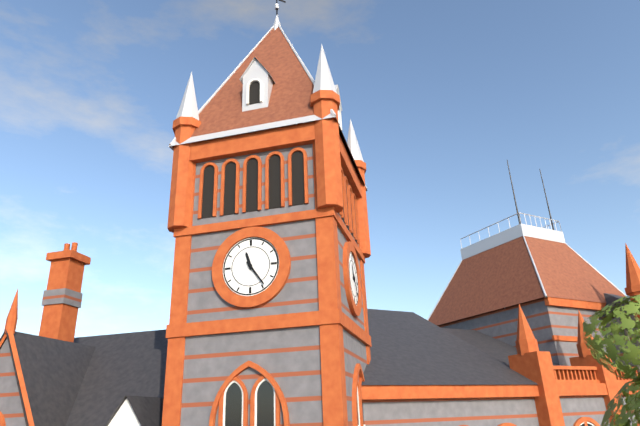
h=11 m=24
